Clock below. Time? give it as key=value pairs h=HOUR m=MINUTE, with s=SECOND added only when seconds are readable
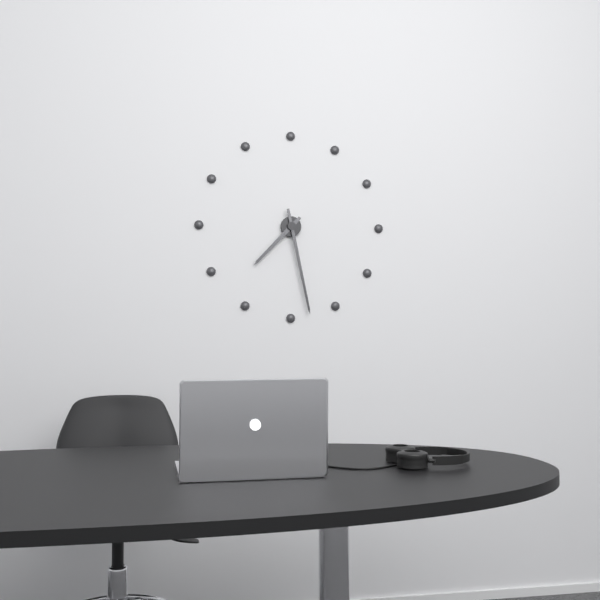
h=7 m=28
